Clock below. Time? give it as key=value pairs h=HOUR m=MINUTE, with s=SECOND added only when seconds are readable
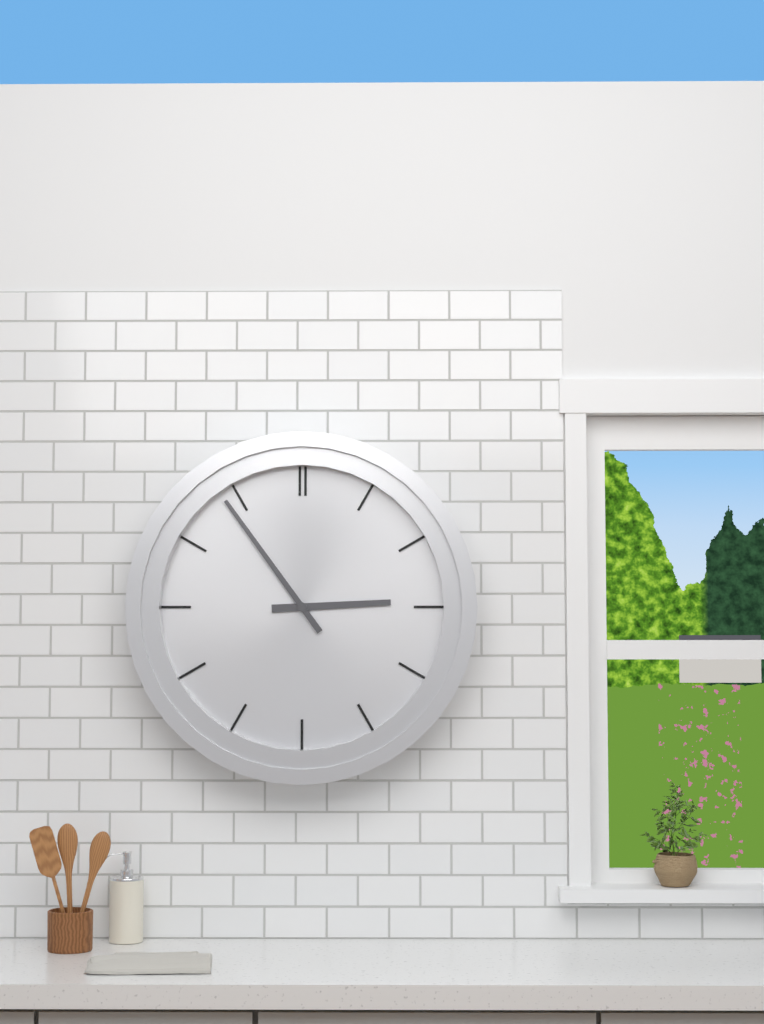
h=2 m=54
